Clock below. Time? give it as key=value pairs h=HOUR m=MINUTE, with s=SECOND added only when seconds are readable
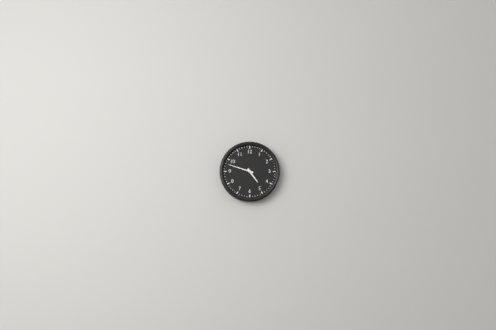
h=4 m=48
